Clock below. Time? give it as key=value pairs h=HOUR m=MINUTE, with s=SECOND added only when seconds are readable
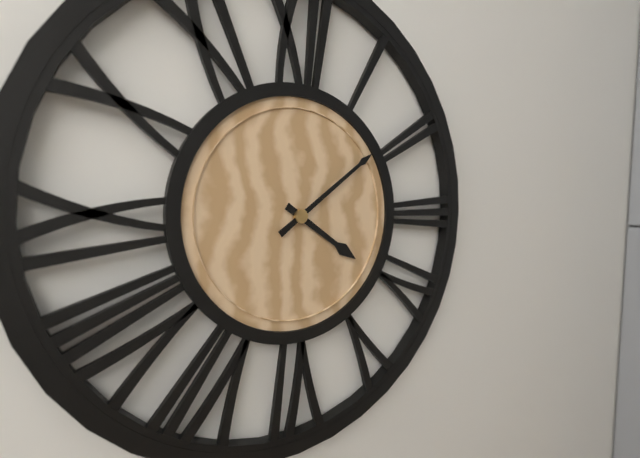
h=4 m=9
